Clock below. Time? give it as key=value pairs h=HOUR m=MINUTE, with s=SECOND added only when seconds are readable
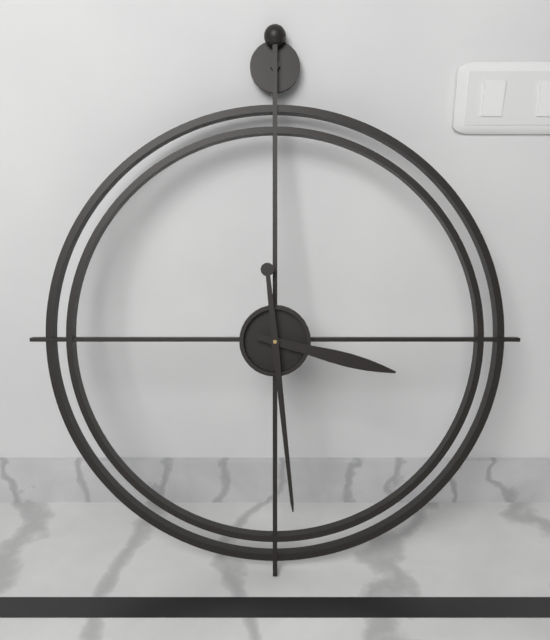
h=3 m=29
